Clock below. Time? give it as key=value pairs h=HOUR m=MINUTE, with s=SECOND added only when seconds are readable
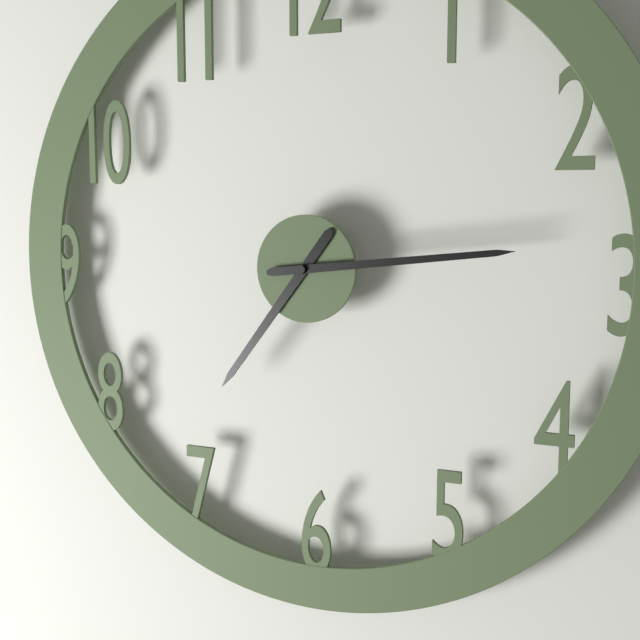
h=7 m=14
